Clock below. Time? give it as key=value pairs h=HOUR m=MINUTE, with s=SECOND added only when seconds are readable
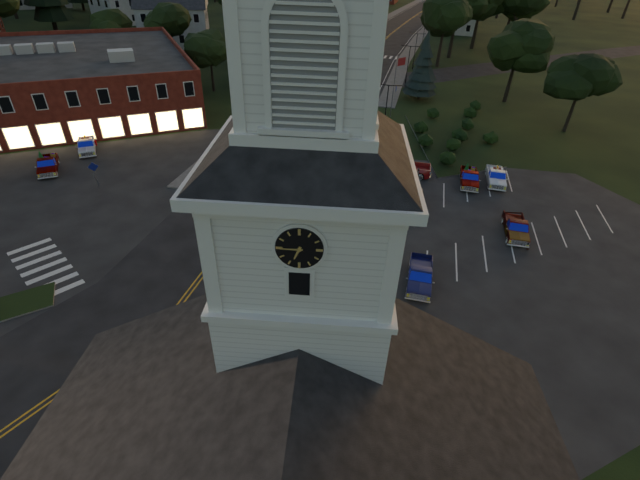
h=6 m=45
